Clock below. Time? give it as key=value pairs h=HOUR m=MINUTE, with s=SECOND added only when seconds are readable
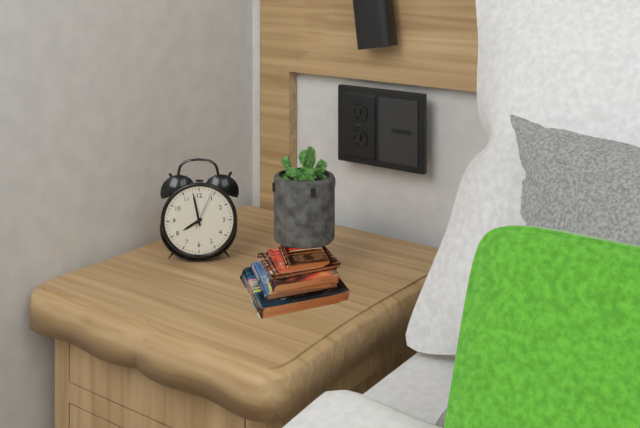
h=7 m=58
